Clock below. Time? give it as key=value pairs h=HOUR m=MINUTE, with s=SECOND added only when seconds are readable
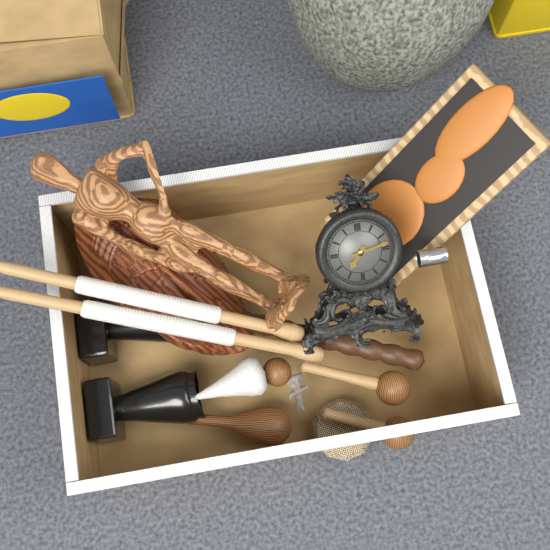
h=7 m=13
